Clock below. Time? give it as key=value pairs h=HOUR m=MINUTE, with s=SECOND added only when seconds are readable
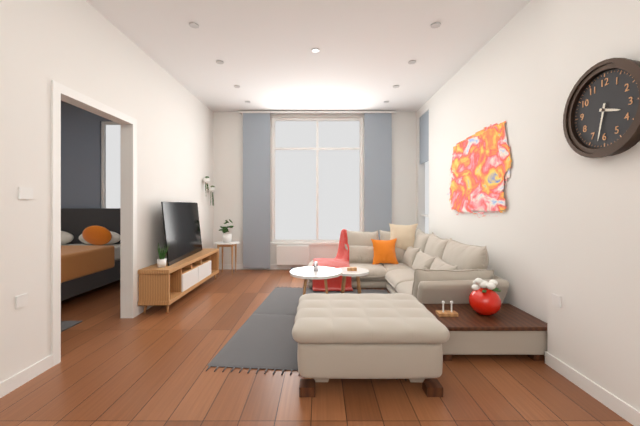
h=3 m=32
